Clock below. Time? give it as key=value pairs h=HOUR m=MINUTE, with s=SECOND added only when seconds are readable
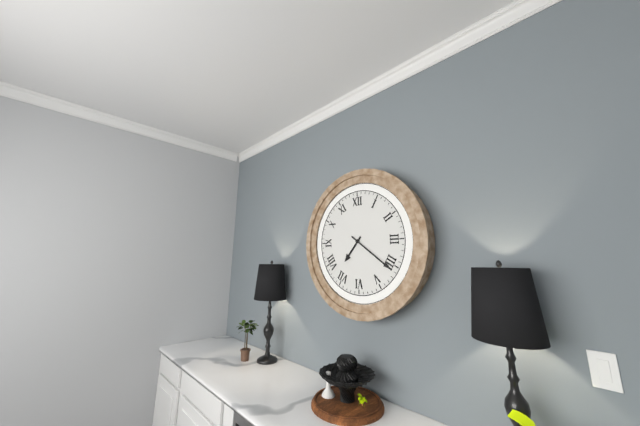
h=7 m=21
